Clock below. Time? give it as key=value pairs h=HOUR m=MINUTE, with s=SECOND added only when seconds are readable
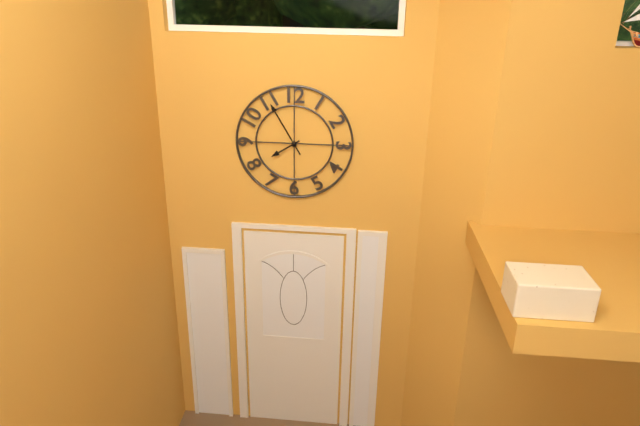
h=7 m=55
